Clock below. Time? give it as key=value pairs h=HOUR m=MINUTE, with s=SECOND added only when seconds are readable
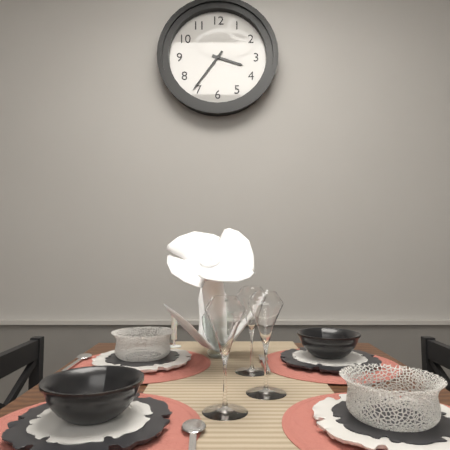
h=3 m=36
